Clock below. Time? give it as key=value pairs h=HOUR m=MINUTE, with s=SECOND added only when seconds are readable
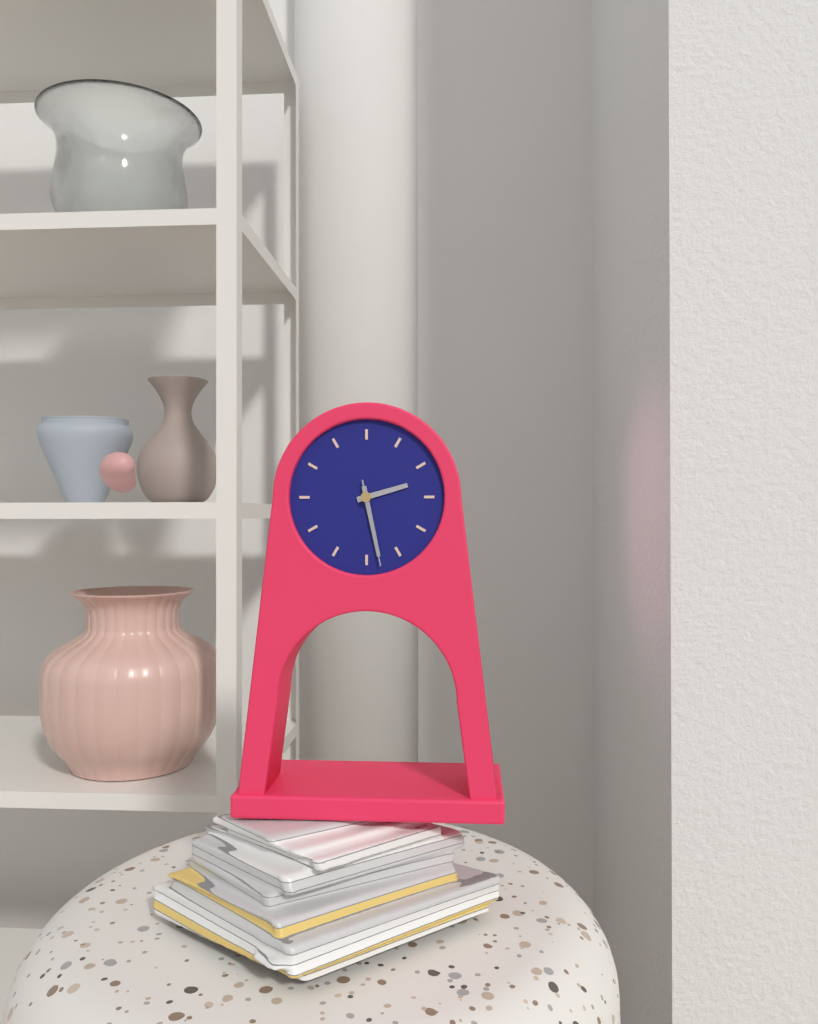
h=2 m=28 s=28
